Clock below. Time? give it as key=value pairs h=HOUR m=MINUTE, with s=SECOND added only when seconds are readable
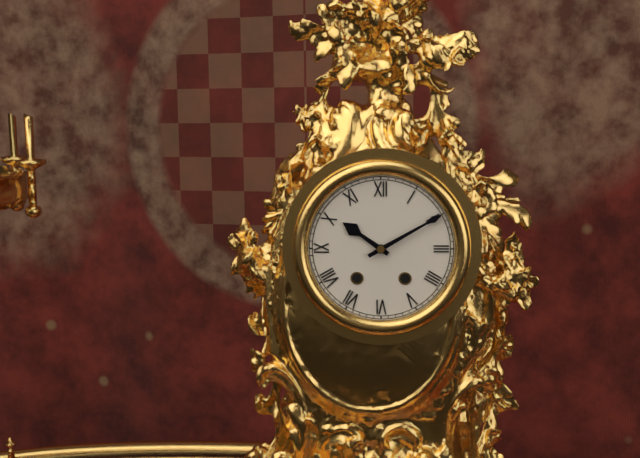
h=10 m=10
